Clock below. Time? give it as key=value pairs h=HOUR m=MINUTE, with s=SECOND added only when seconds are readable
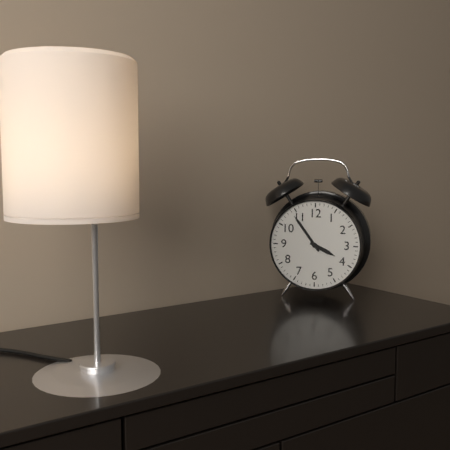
h=3 m=54
